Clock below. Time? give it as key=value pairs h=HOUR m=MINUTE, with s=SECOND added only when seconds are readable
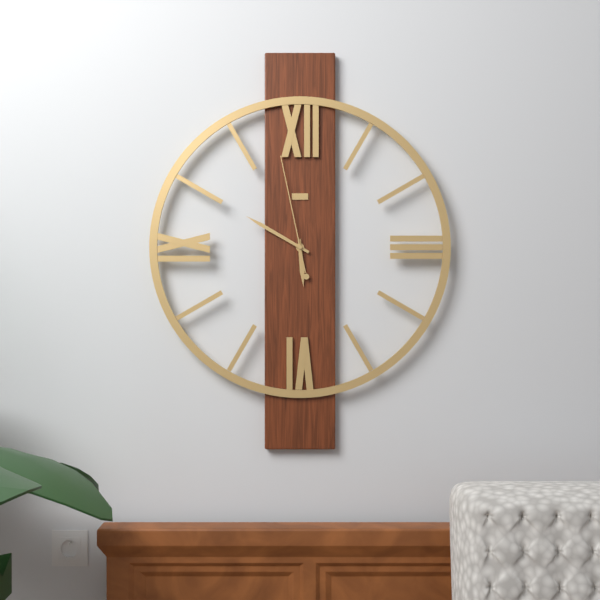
h=5 m=50 s=58
